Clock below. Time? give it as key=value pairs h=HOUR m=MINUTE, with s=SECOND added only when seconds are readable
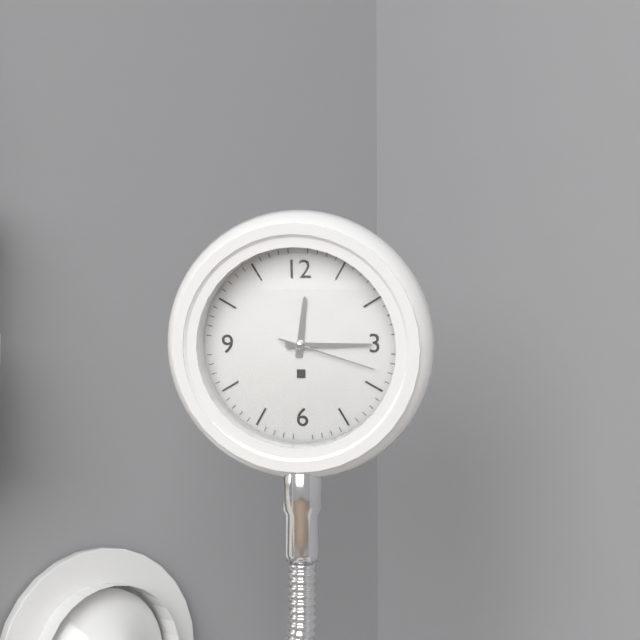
h=12 m=15 s=18
